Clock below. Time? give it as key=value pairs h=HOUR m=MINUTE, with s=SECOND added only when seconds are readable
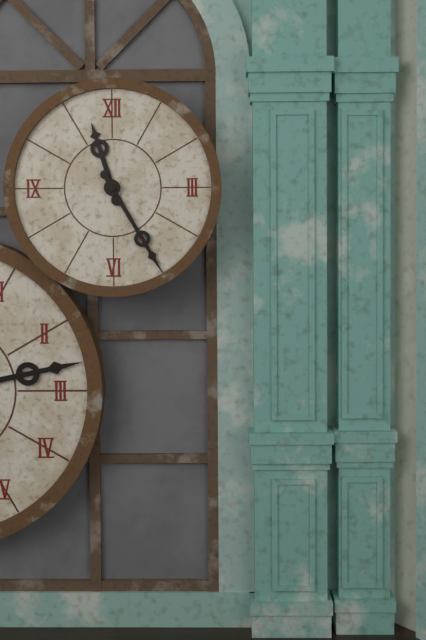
h=11 m=25
